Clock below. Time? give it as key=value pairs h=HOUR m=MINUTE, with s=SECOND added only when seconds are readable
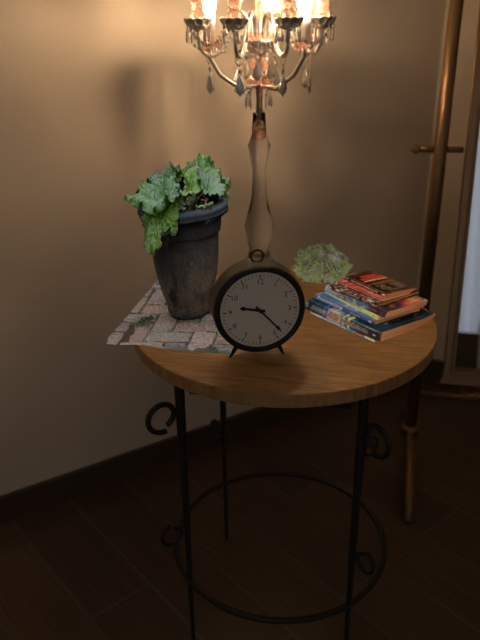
h=9 m=23
